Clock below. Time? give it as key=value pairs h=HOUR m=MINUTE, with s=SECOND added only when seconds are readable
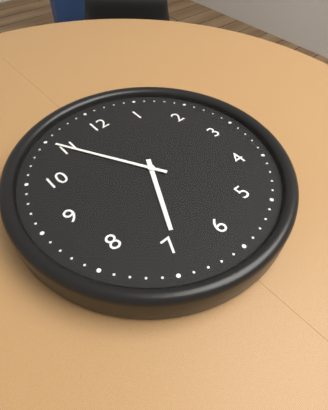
h=6 m=55
